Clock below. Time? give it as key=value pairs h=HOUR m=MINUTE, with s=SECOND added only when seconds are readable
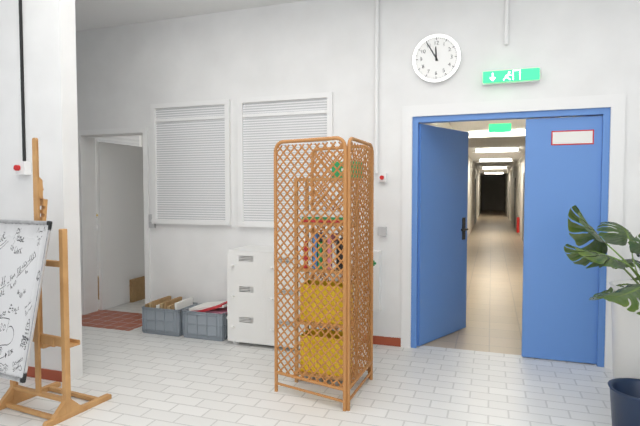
h=11 m=55
